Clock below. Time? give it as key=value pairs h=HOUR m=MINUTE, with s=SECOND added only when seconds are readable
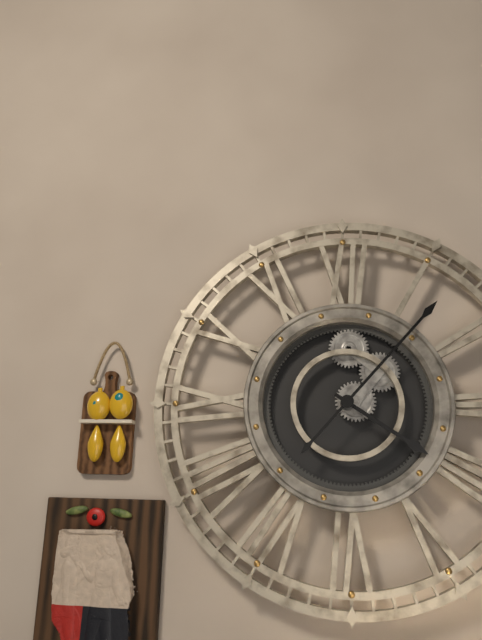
h=4 m=7
